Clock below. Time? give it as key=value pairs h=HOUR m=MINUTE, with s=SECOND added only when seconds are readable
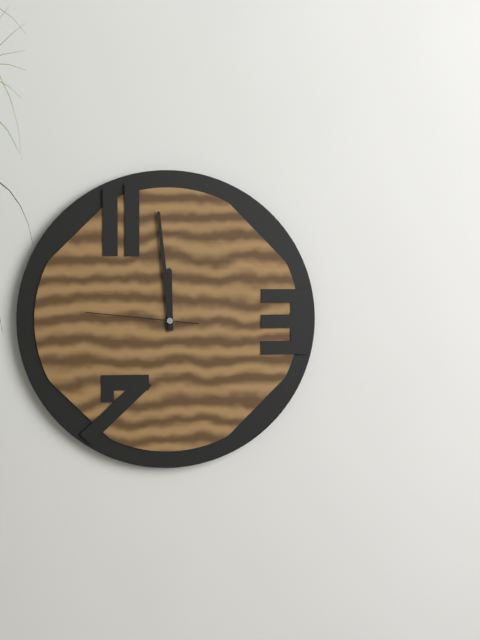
h=11 m=59 s=46
